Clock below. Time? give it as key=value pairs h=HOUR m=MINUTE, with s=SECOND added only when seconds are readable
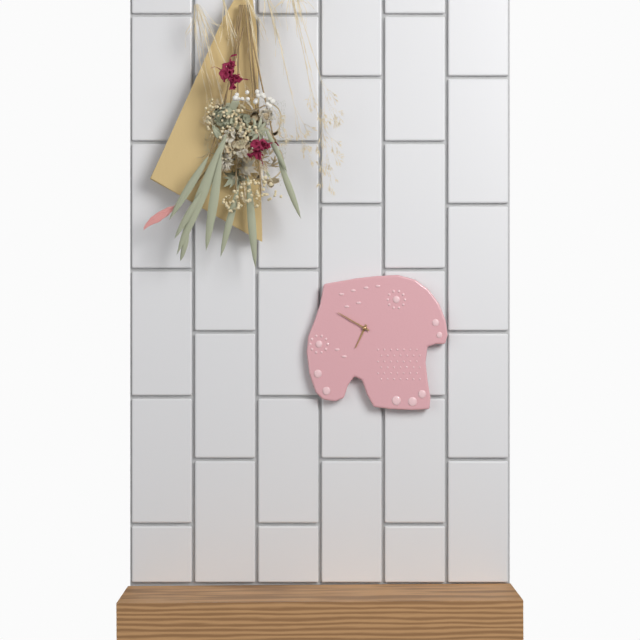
h=6 m=50
